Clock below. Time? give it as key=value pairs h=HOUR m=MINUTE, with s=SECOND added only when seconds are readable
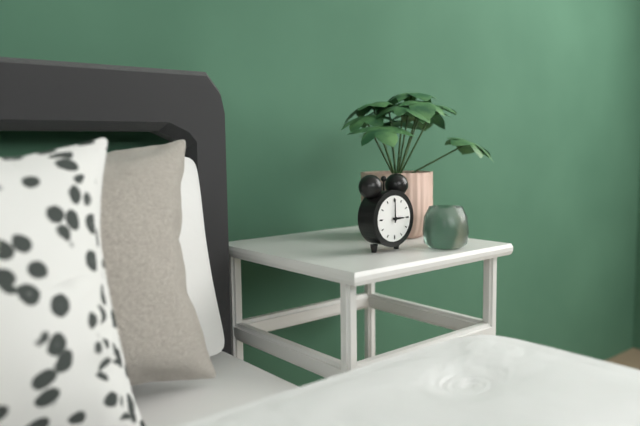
h=3 m=0
